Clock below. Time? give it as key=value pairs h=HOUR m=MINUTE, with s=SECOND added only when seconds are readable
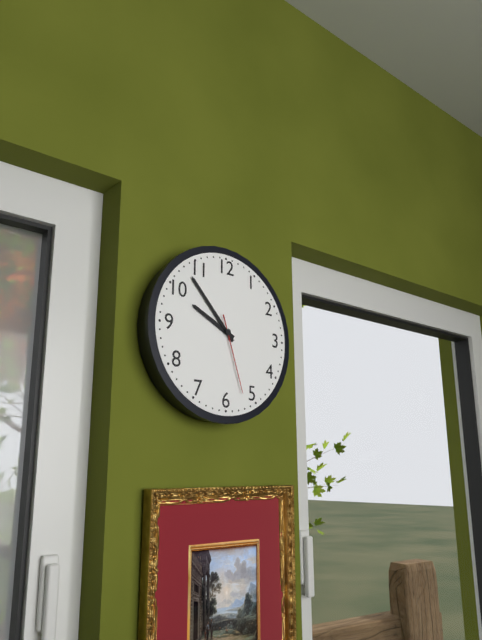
h=9 m=53 s=27
